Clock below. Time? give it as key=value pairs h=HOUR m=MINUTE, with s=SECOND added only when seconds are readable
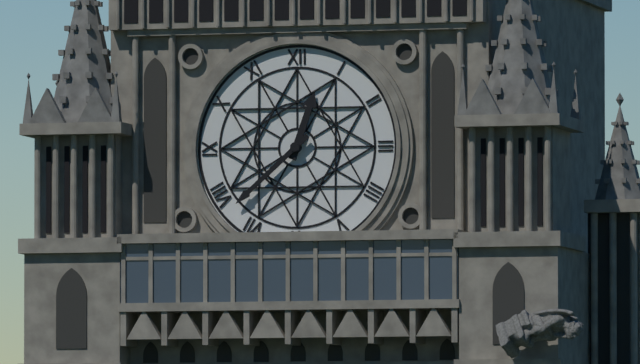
h=12 m=38
